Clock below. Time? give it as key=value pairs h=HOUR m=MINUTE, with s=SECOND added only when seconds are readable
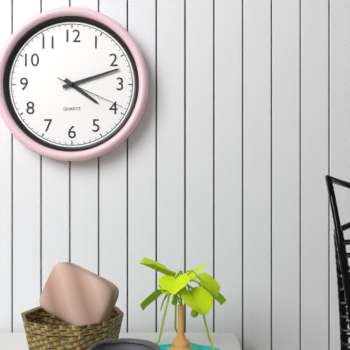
h=4 m=12 s=19
